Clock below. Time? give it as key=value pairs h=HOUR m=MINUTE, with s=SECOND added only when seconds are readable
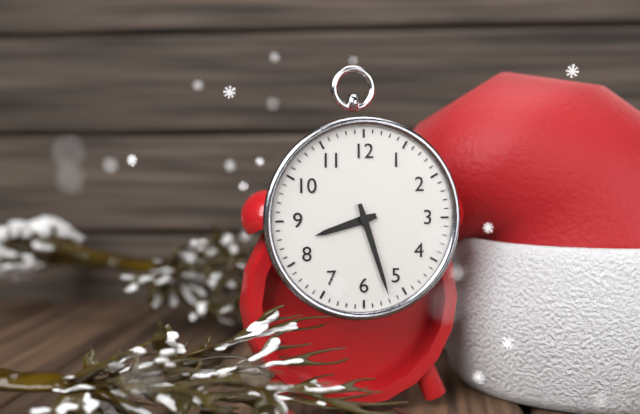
h=8 m=27
